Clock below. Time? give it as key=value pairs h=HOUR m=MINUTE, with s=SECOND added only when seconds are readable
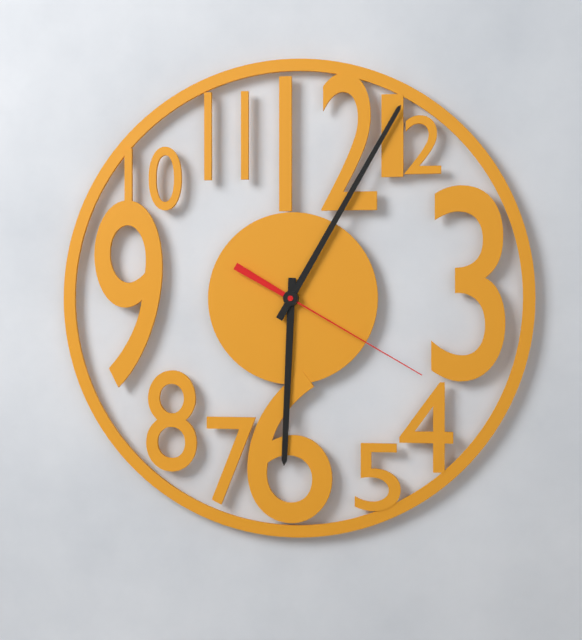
h=6 m=5 s=20
